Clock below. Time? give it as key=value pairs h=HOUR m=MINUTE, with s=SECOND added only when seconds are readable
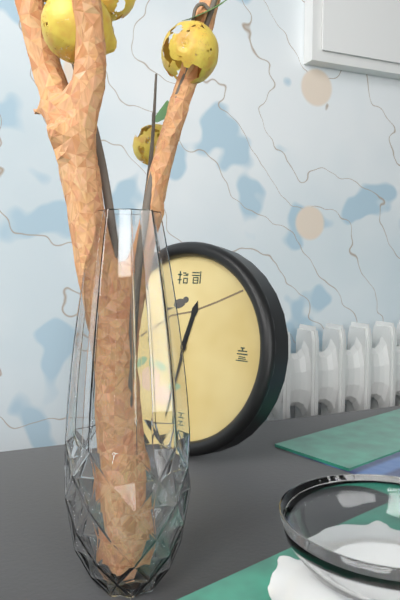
h=12 m=32
